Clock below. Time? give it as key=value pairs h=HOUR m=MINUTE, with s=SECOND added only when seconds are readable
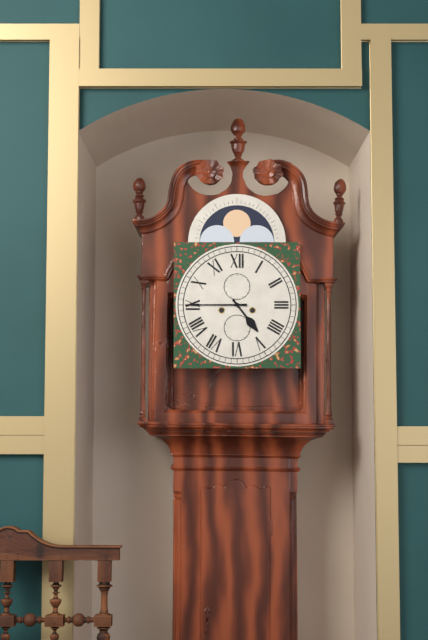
h=4 m=45
